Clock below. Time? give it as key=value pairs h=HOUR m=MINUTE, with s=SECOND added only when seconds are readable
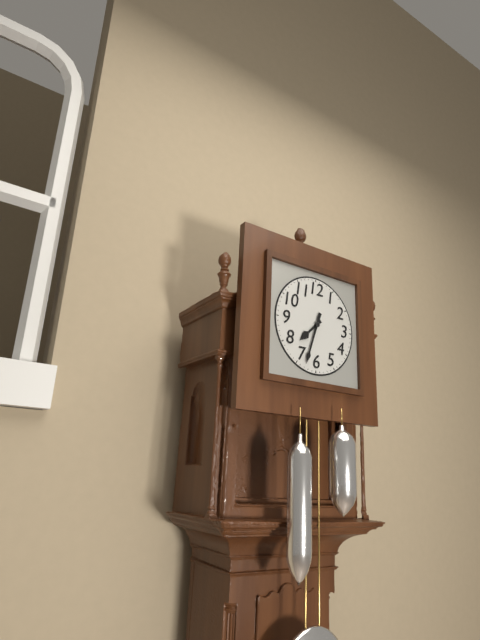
h=7 m=33
